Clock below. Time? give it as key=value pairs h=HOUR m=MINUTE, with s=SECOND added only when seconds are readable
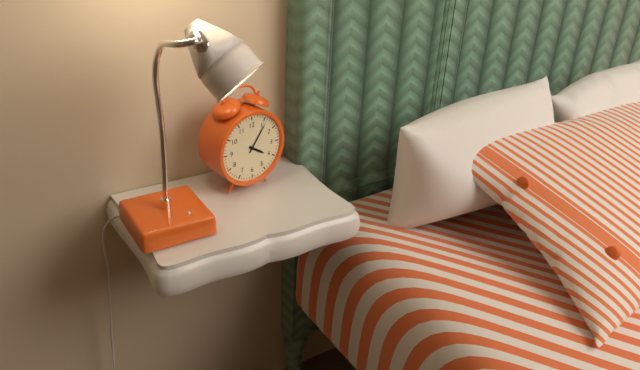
h=4 m=6
